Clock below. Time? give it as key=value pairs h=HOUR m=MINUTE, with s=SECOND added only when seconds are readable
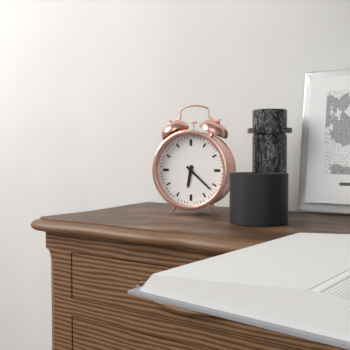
h=6 m=22
